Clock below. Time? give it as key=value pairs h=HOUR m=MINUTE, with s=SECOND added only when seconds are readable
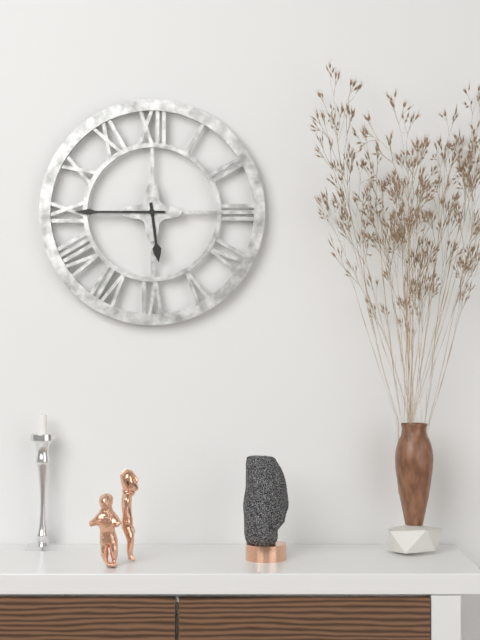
h=5 m=45
